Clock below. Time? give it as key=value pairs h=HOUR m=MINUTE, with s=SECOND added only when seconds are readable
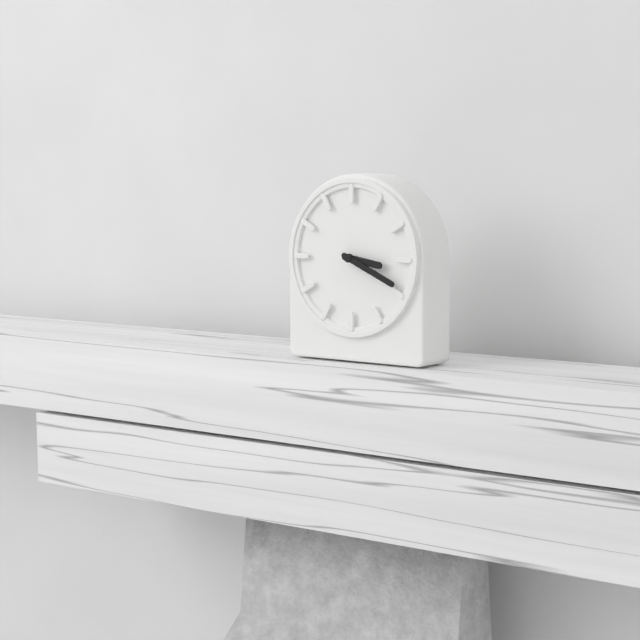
h=3 m=19
